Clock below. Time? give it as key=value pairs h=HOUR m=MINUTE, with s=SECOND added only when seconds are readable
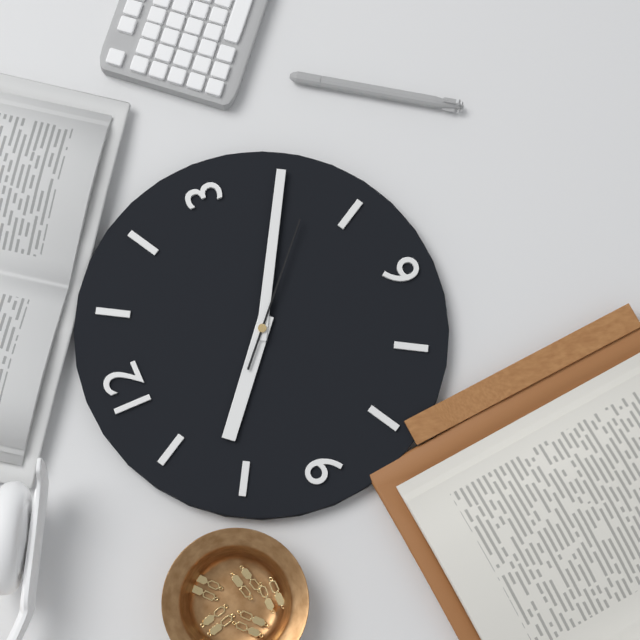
h=10 m=20 s=22
